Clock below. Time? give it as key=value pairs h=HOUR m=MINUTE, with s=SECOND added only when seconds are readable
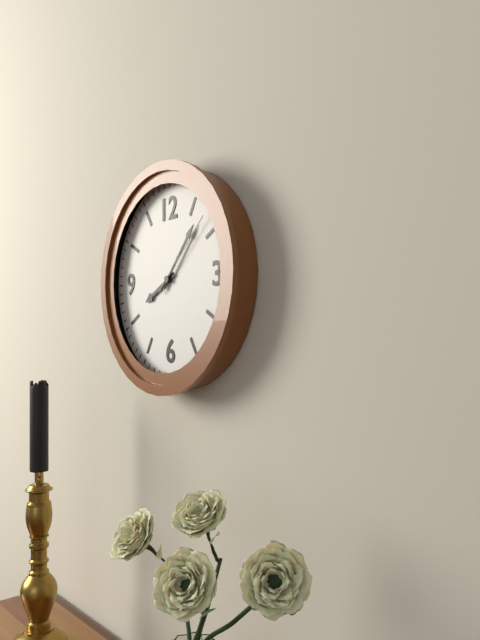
h=8 m=7 s=8
